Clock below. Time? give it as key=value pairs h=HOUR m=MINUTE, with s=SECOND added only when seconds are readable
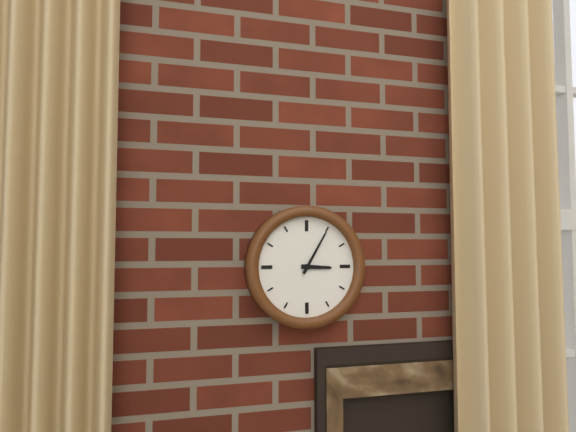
h=3 m=5
